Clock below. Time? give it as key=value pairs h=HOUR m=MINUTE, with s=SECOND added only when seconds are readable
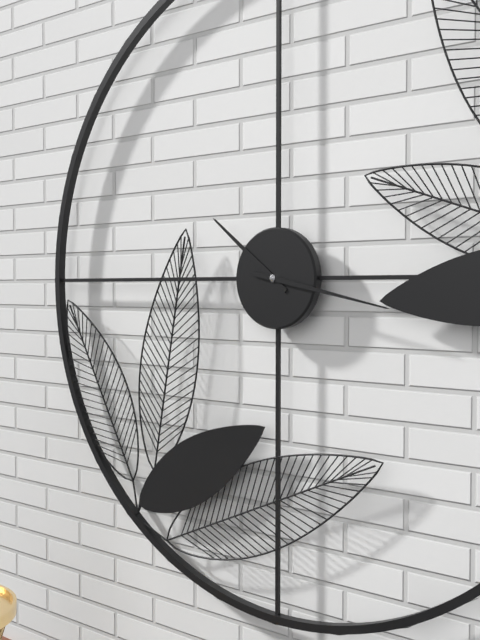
h=10 m=17
